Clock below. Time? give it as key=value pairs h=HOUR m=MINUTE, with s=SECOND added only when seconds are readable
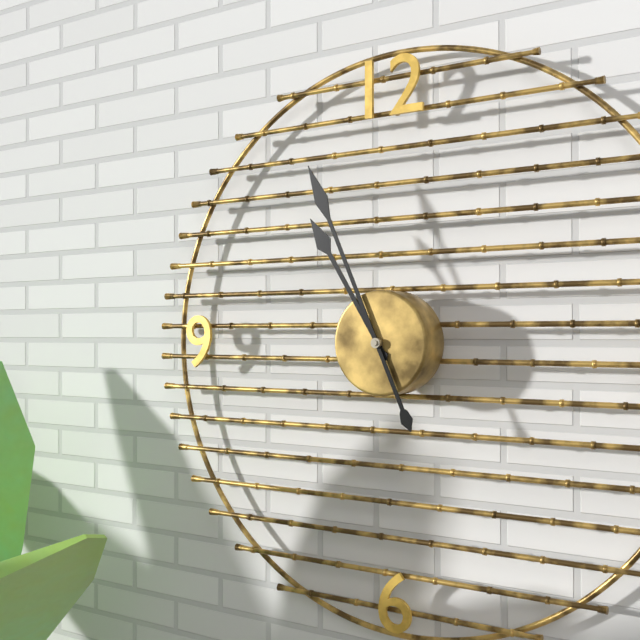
h=10 m=56
